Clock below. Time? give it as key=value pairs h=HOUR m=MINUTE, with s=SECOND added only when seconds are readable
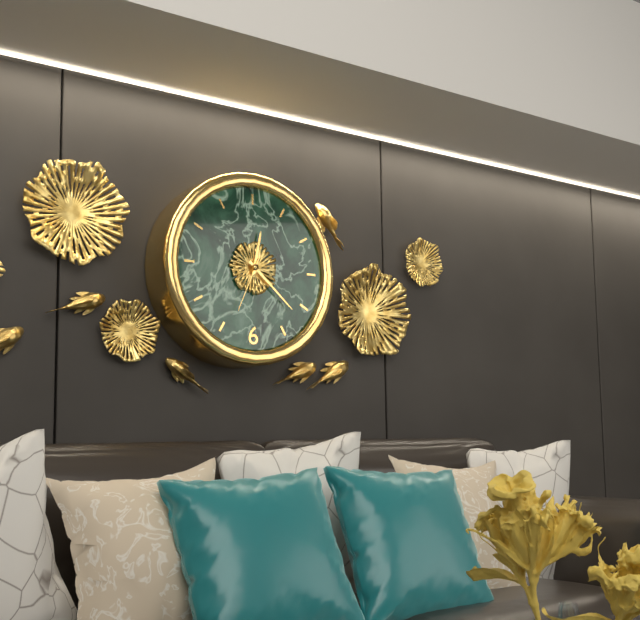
h=12 m=22 s=34
